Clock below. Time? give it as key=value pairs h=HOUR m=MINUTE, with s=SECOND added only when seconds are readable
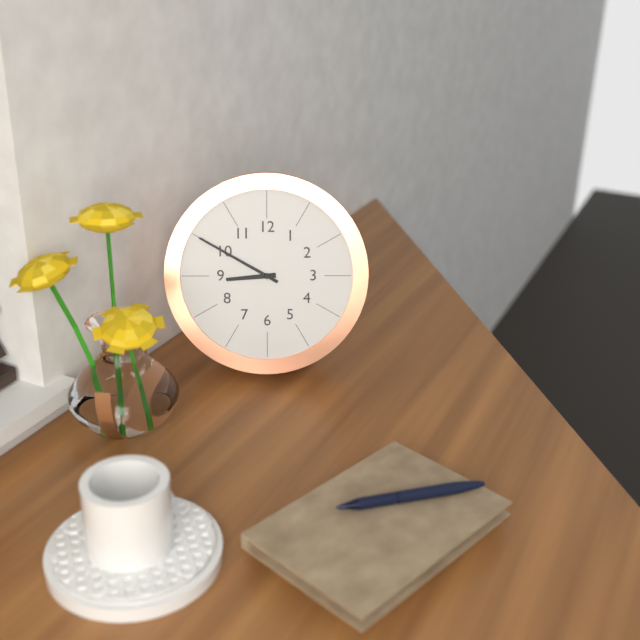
h=8 m=50
